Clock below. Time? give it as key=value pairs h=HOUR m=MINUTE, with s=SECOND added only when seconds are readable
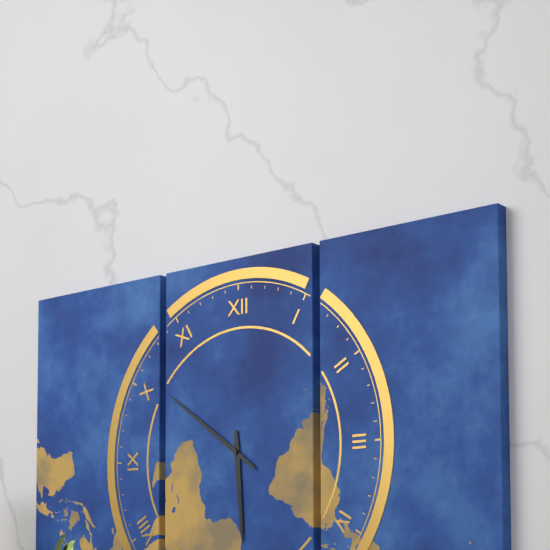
h=5 m=51
